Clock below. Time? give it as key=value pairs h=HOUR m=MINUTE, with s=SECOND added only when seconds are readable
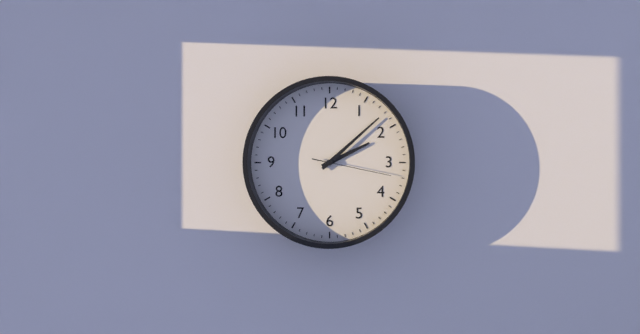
h=2 m=8 s=17
